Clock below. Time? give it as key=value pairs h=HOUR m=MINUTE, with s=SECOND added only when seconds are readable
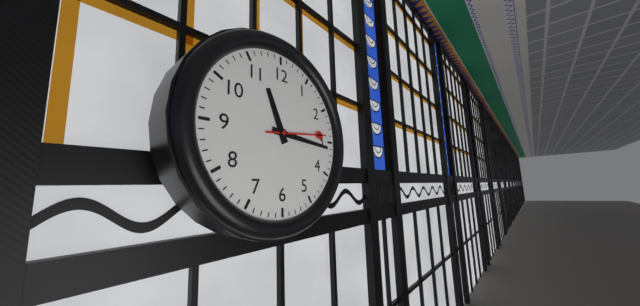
h=11 m=16 s=14
